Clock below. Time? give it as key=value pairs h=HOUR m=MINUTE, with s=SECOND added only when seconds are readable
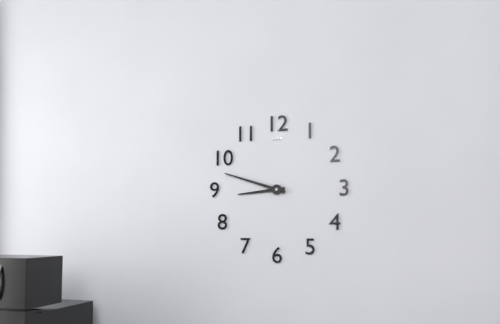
h=8 m=48
